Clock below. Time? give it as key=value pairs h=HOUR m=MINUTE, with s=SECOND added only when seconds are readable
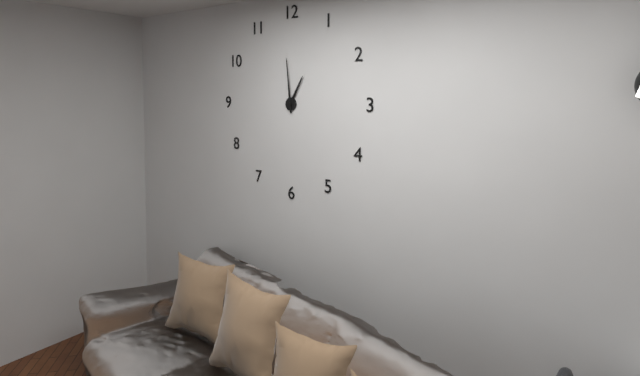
h=12 m=59
